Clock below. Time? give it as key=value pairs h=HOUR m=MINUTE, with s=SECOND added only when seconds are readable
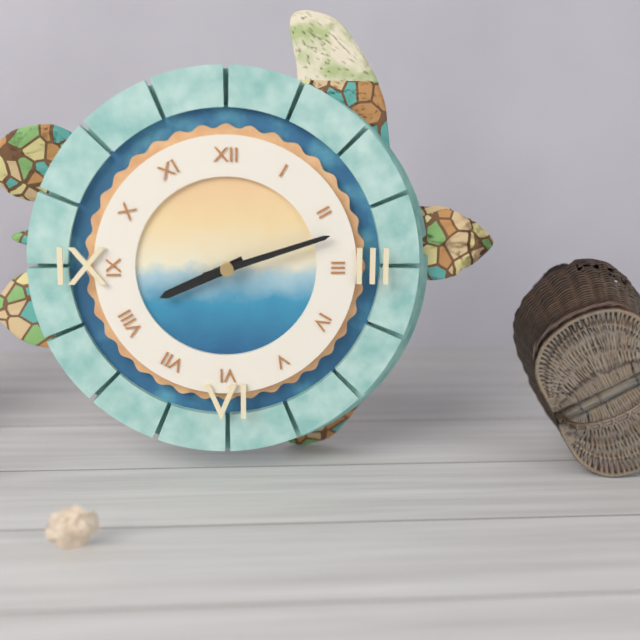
h=8 m=12
